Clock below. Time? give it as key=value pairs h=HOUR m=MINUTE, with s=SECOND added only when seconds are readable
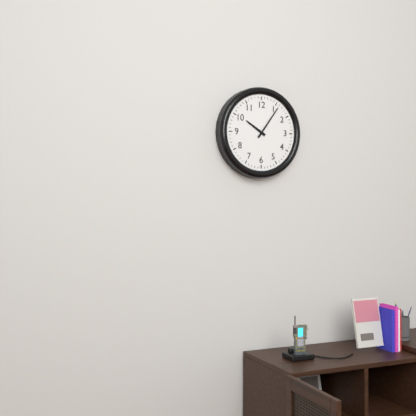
h=10 m=6
